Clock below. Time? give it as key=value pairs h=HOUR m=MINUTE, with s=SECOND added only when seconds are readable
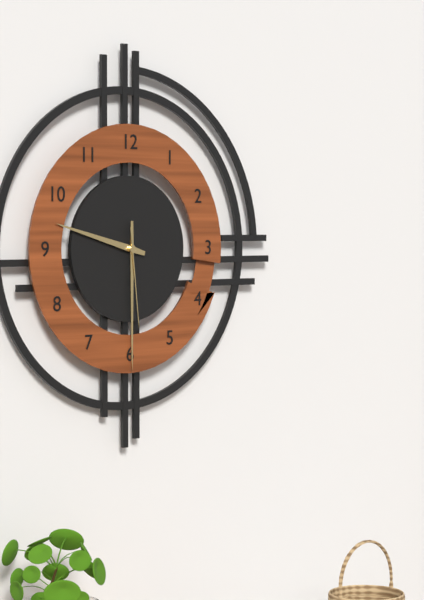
h=9 m=30 s=29
